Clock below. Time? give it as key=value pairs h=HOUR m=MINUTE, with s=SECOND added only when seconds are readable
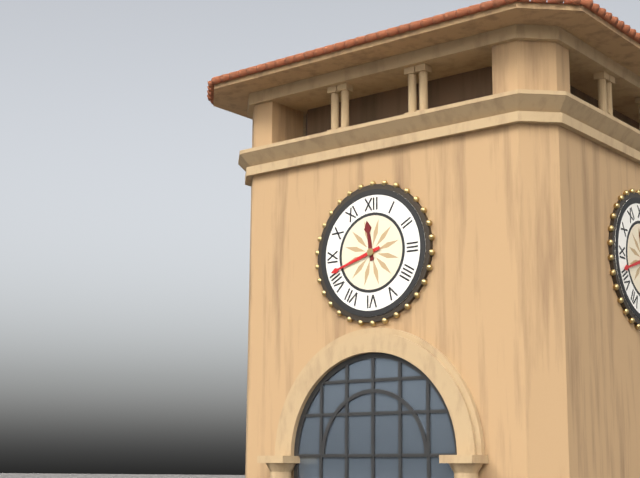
h=11 m=42
